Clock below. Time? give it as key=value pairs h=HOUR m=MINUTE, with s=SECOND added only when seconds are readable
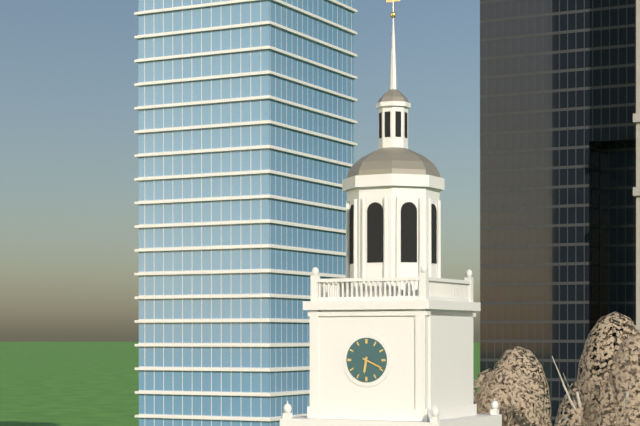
h=6 m=19
